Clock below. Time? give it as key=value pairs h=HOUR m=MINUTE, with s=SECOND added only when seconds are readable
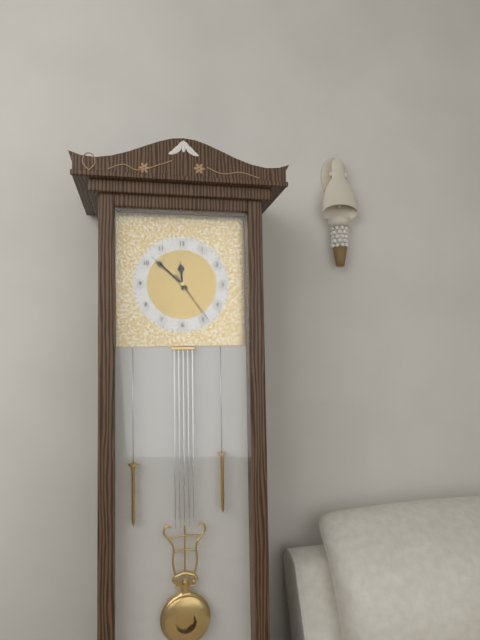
h=11 m=52 s=24
